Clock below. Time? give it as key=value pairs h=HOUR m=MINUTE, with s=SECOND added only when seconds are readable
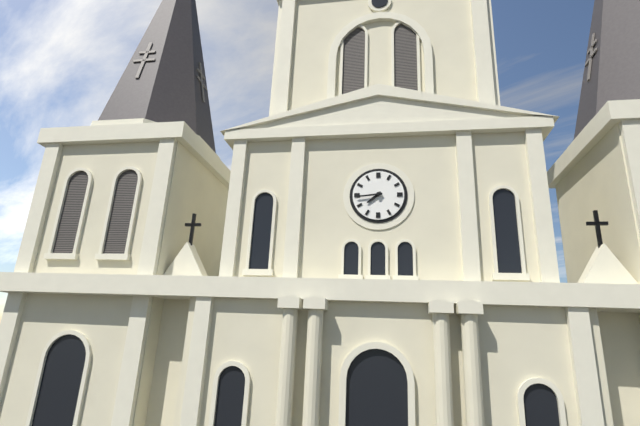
h=7 m=44
